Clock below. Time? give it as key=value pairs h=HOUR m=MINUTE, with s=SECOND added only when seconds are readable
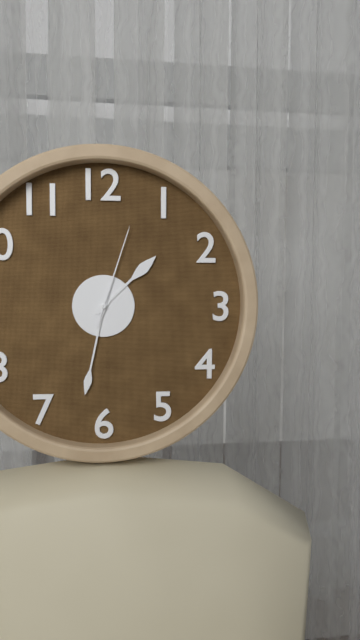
h=1 m=32 s=3
